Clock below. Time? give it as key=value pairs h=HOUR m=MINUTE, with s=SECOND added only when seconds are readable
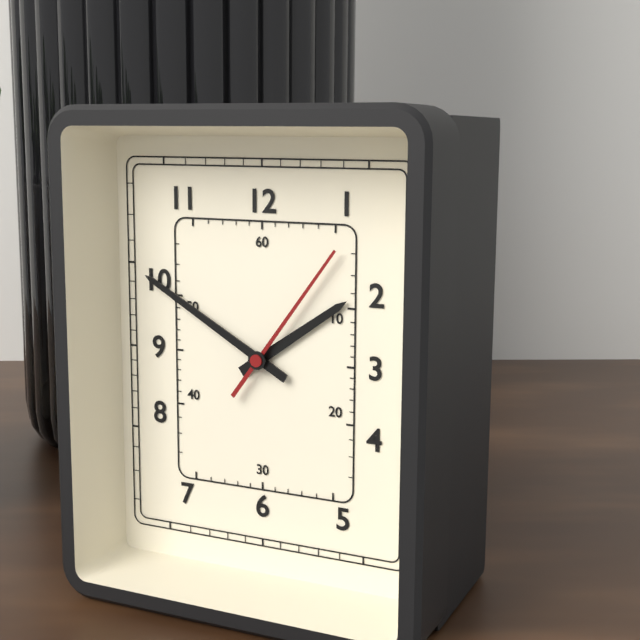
h=1 m=50 s=6
